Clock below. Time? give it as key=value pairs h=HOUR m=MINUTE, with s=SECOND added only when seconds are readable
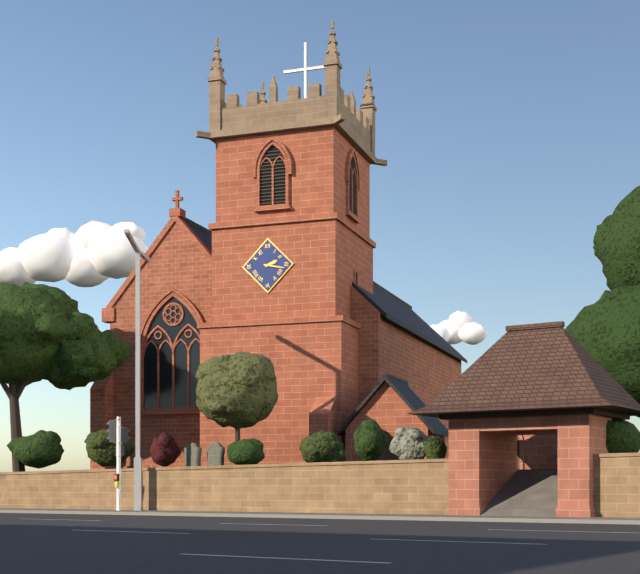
h=2 m=17
